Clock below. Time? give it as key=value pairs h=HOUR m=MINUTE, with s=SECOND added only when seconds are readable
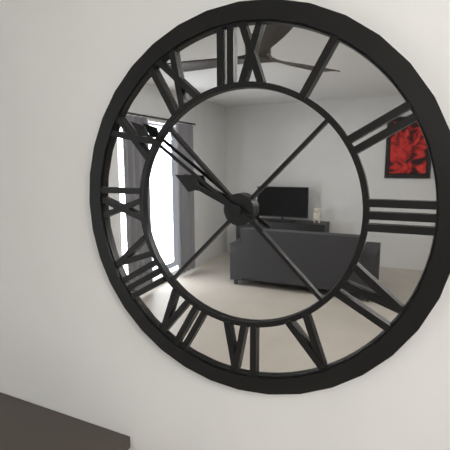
h=9 m=51
